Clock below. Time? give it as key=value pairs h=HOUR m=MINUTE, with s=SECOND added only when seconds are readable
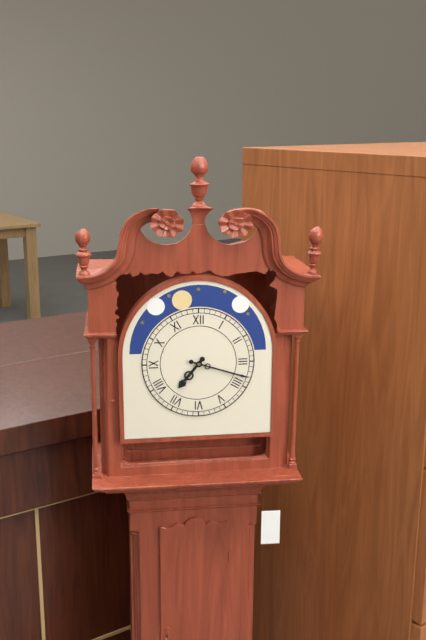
h=7 m=18
